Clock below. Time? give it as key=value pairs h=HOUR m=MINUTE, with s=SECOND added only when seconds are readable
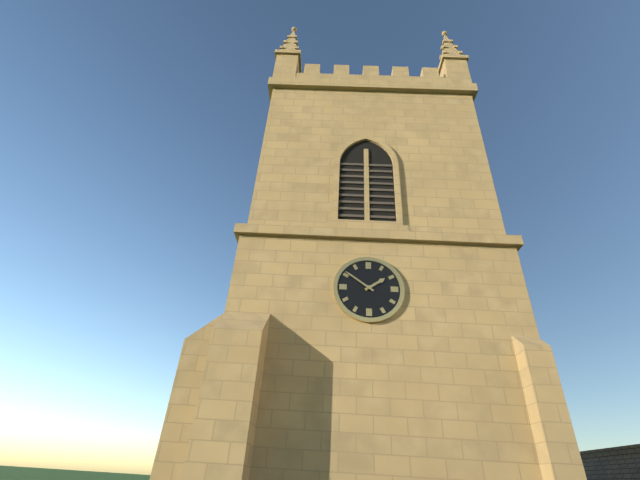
h=1 m=51
